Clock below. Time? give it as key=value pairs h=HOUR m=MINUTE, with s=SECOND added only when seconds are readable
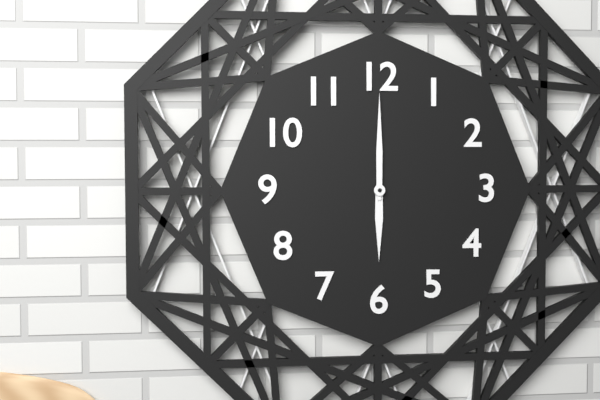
h=6 m=0
